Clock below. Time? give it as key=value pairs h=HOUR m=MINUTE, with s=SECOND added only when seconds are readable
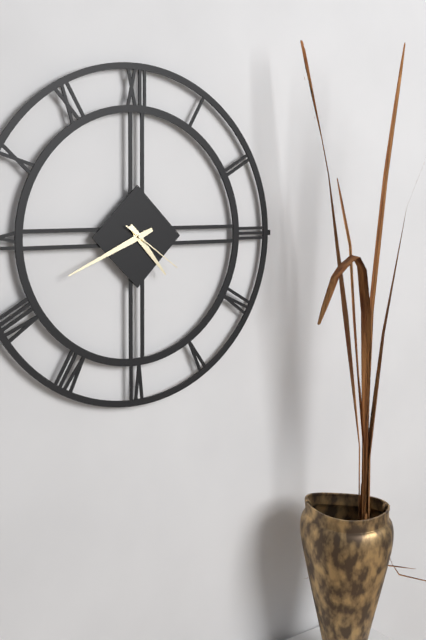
h=4 m=41 s=21
